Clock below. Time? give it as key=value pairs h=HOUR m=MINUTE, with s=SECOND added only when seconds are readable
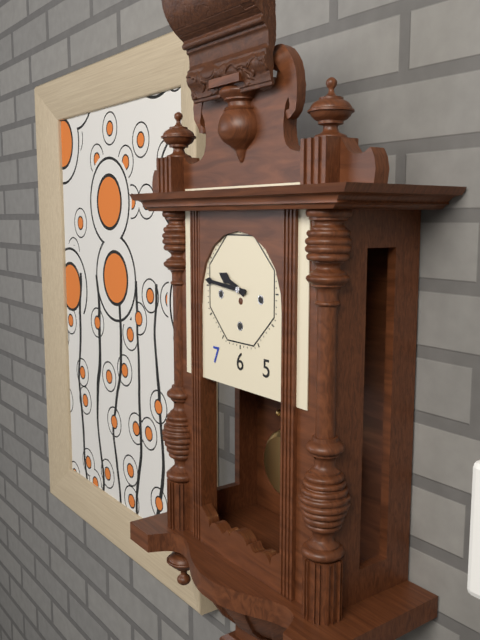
h=9 m=46
